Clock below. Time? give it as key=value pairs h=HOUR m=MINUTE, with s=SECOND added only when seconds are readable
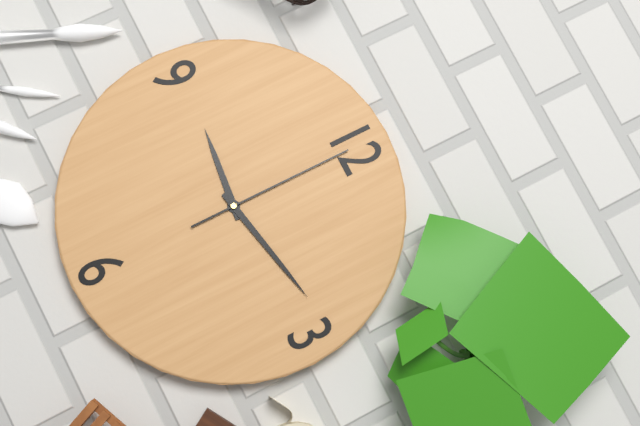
h=9 m=13 s=0
